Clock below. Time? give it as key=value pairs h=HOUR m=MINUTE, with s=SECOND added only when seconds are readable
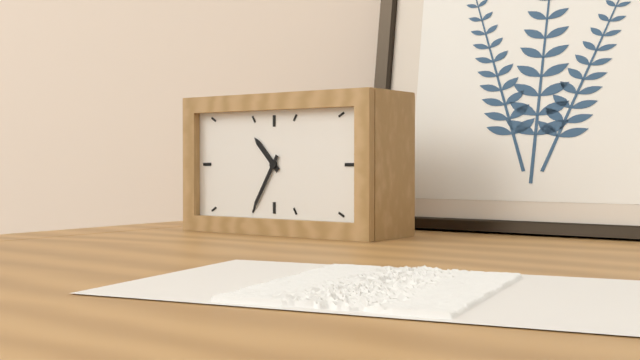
h=10 m=35
